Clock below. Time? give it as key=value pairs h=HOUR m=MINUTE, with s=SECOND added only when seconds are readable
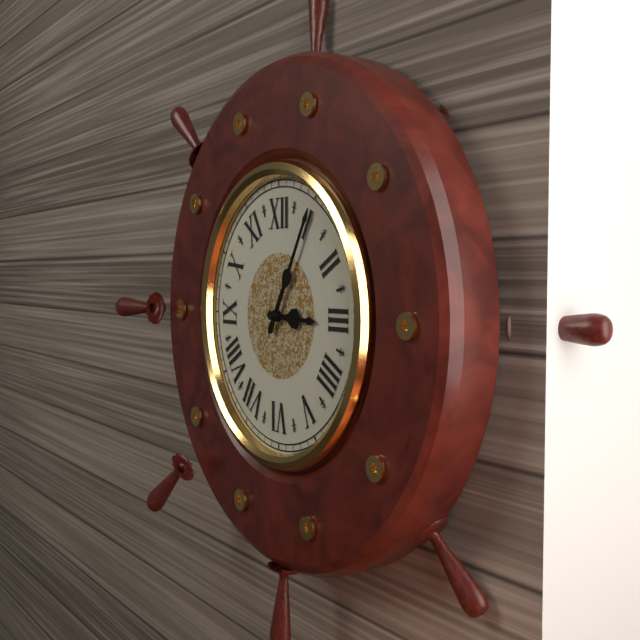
h=3 m=5
